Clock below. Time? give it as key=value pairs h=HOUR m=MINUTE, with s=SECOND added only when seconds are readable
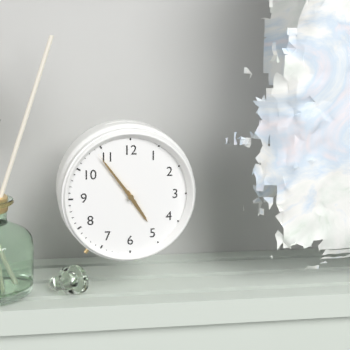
h=4 m=54 s=54
